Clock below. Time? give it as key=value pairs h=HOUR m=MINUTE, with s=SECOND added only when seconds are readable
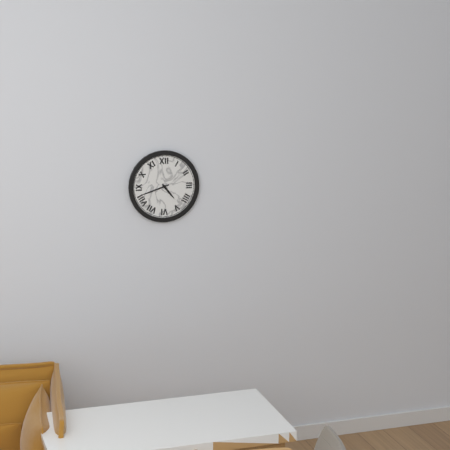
h=4 m=42
